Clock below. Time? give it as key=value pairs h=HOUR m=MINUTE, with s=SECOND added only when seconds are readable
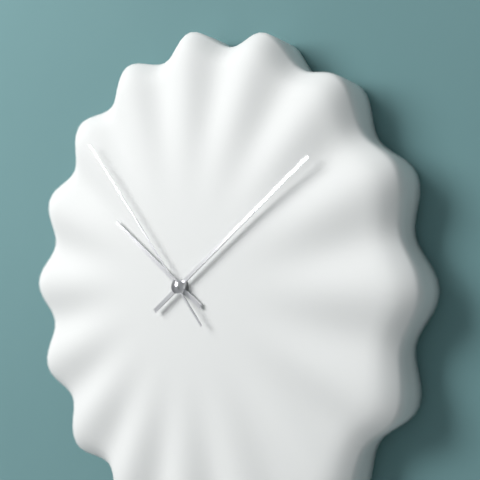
h=10 m=9 s=53
